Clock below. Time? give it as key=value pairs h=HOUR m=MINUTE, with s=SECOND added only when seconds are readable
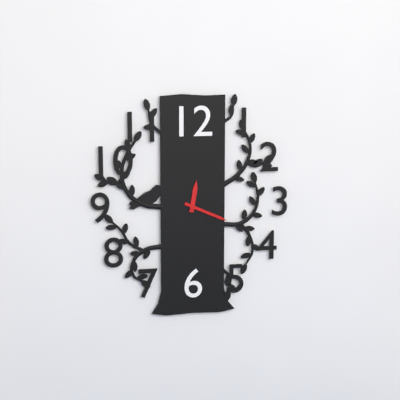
h=12 m=19
